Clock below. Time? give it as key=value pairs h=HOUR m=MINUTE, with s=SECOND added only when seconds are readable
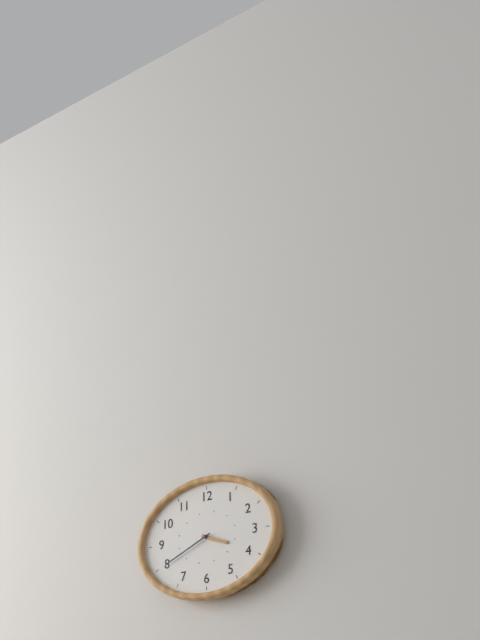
h=3 m=41
